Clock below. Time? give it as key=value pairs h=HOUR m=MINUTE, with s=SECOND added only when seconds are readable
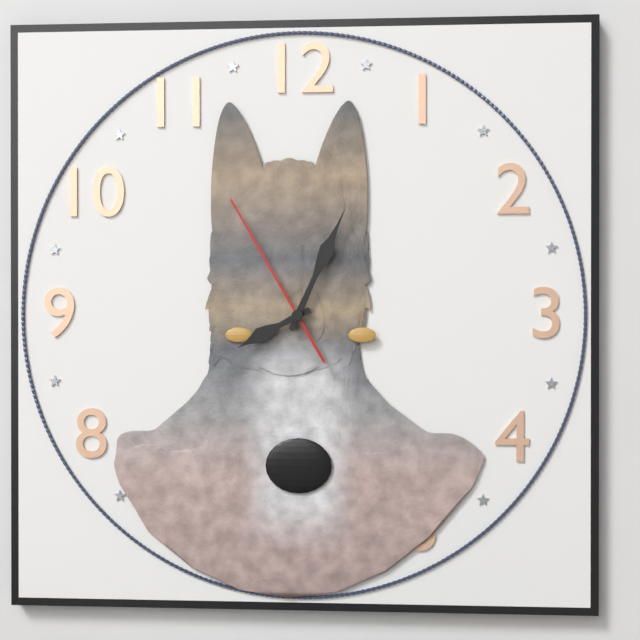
h=8 m=4 s=55
